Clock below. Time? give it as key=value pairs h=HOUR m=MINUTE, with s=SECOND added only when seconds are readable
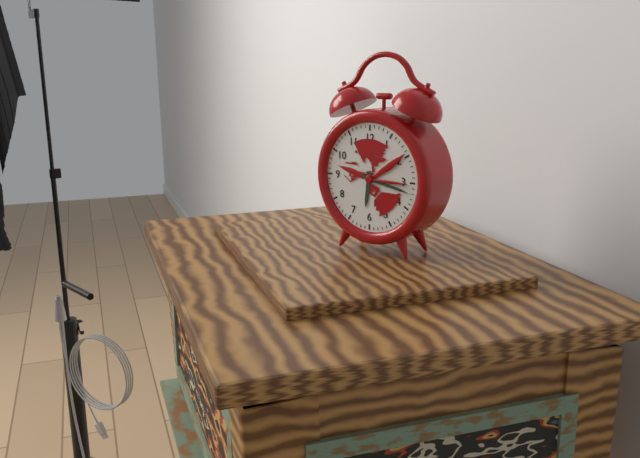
h=6 m=17
